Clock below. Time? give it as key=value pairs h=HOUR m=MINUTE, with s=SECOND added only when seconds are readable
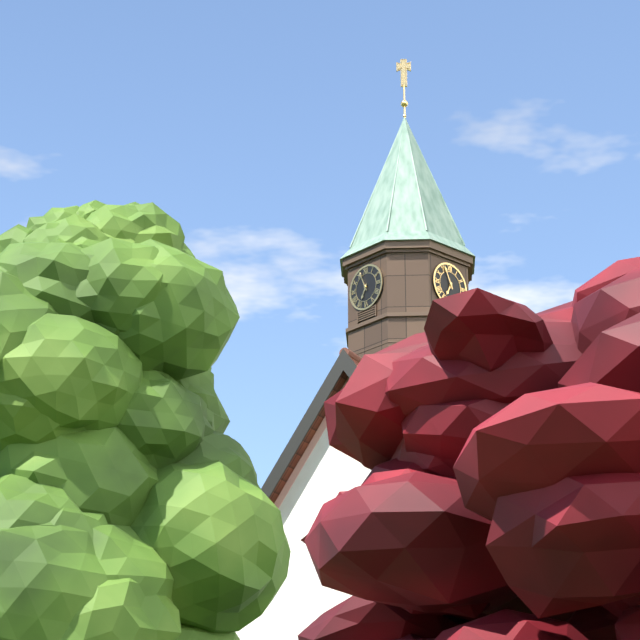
h=6 m=56
